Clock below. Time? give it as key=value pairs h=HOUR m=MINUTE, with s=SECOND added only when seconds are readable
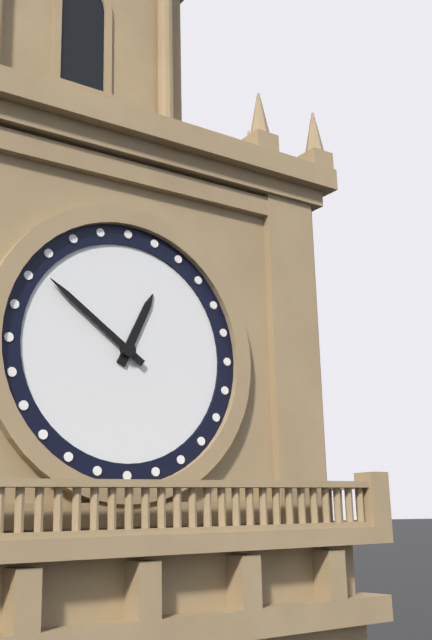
h=12 m=51
